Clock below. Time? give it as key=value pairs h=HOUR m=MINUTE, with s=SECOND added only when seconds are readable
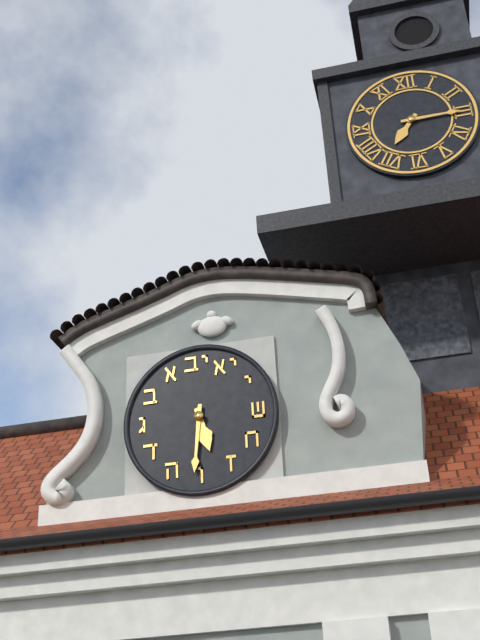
h=5 m=31
